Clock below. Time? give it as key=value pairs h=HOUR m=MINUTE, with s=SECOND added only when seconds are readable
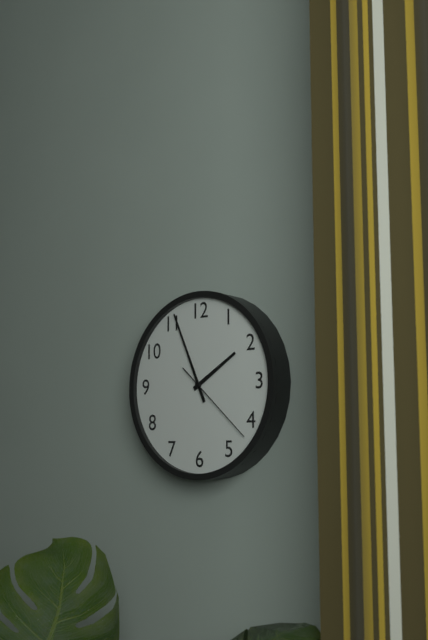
h=1 m=56 s=22
